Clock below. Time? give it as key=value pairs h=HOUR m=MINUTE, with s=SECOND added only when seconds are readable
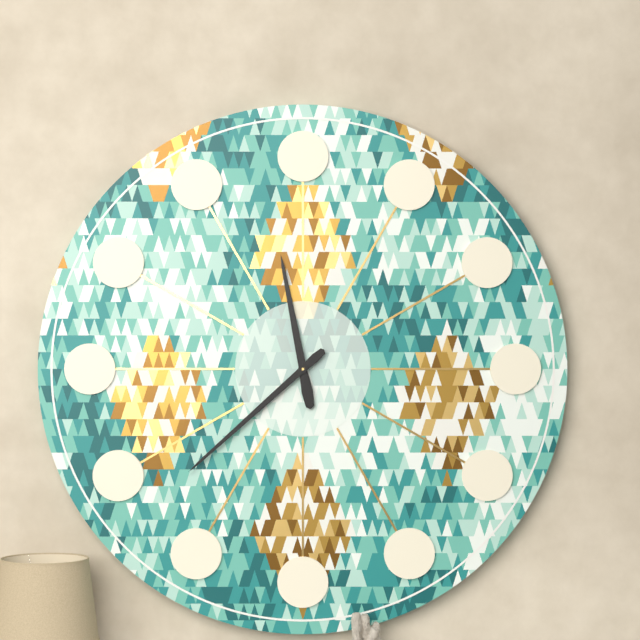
h=11 m=38
